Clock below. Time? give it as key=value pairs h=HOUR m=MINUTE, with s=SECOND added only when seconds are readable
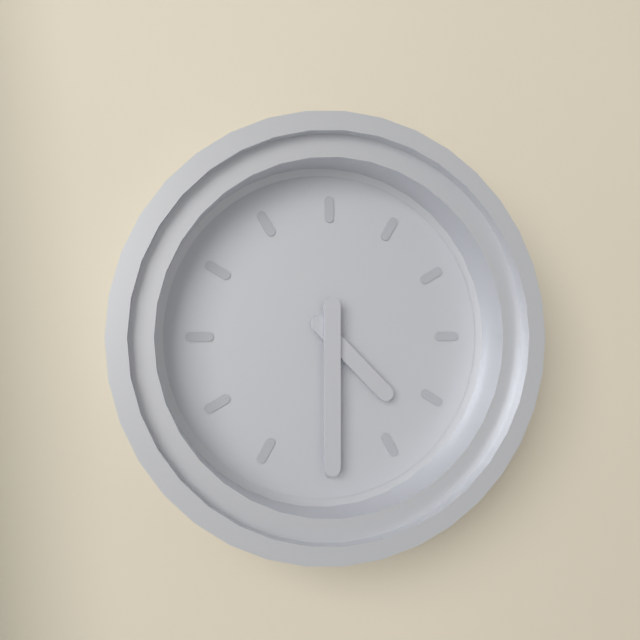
h=4 m=30
